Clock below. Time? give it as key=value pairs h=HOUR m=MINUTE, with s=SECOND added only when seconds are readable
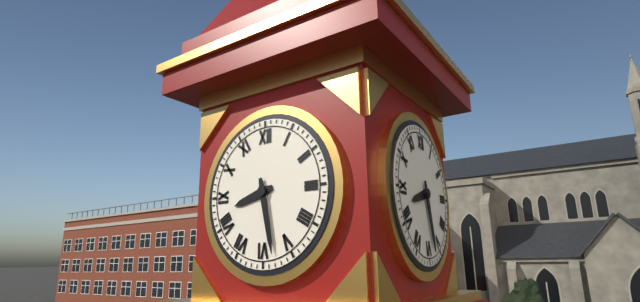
h=8 m=28
